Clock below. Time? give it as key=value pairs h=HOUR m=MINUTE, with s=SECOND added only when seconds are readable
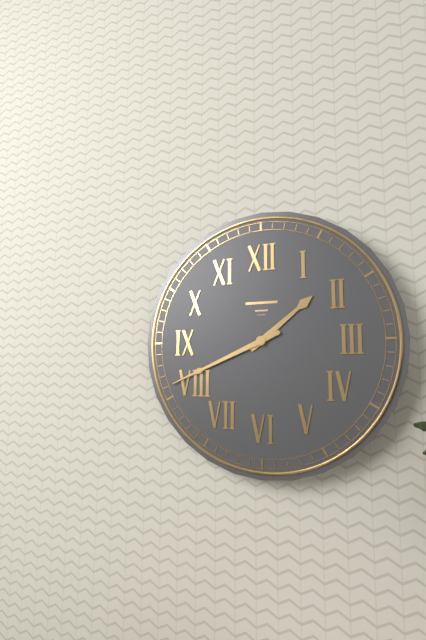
h=1 m=41
